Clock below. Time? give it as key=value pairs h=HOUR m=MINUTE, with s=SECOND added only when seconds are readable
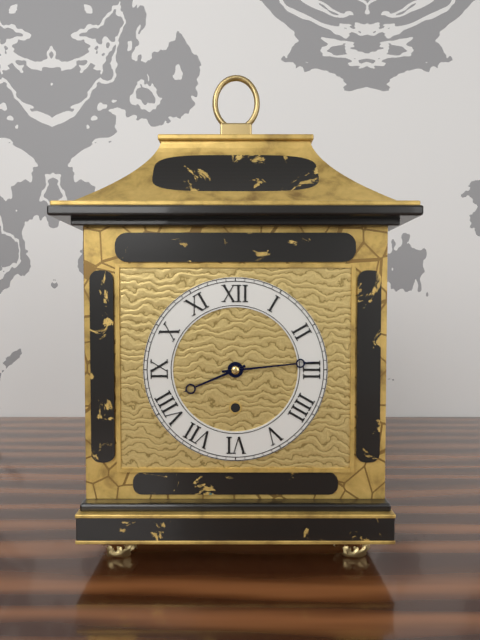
h=8 m=14
